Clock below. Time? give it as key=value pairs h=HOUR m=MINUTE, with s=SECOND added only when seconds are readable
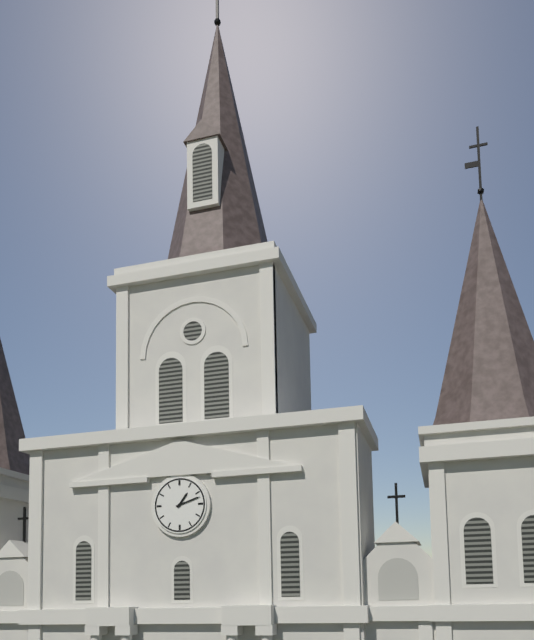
h=1 m=12
